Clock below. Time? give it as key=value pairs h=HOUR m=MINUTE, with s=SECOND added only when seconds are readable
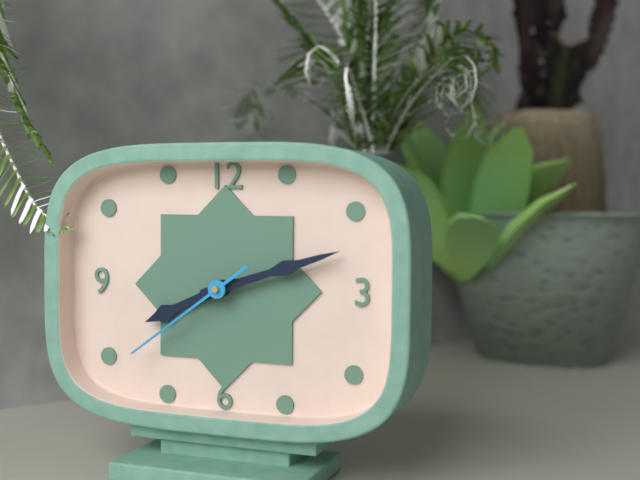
h=8 m=12 s=39
